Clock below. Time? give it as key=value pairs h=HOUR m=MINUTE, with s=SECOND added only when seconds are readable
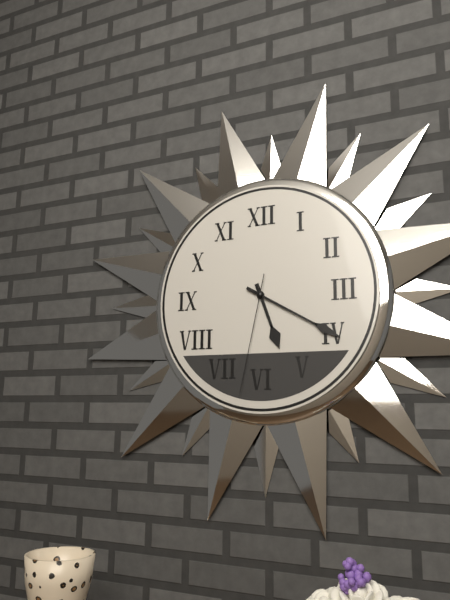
h=5 m=20 s=32
